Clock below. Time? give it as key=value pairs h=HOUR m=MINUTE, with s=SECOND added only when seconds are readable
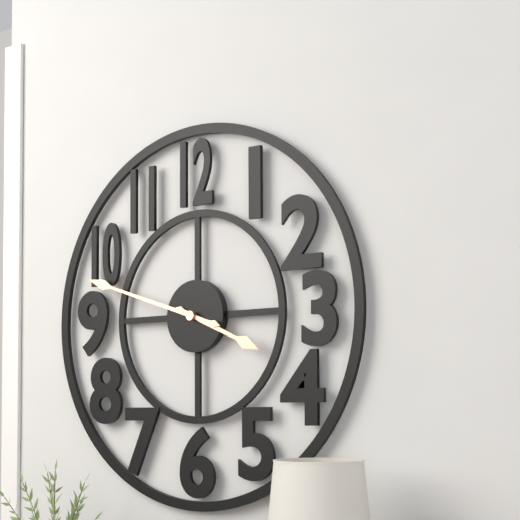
h=3 m=48
